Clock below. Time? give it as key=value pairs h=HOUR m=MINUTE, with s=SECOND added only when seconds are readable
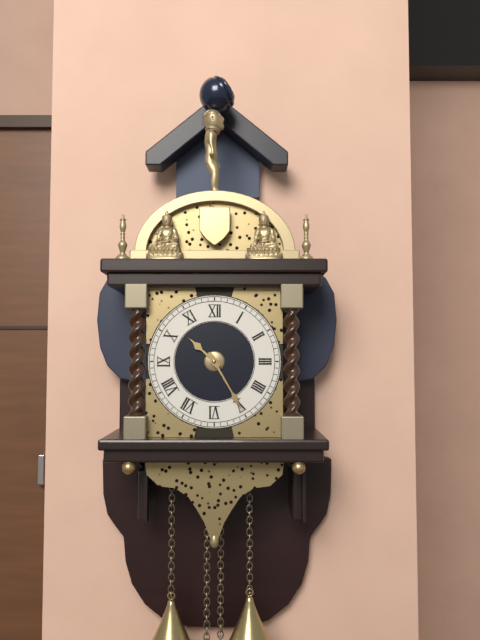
h=10 m=25
